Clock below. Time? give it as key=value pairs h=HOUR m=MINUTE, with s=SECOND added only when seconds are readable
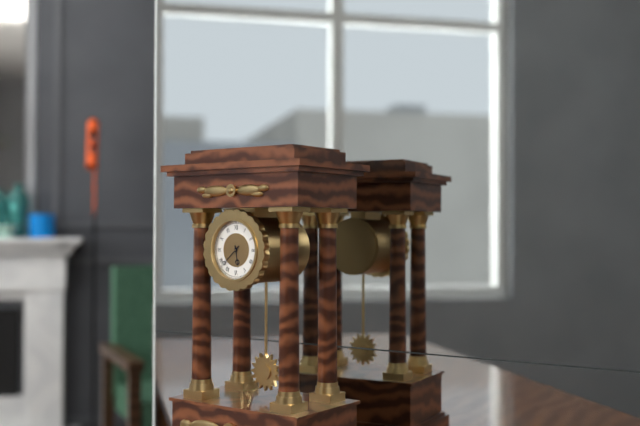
h=5 m=38
